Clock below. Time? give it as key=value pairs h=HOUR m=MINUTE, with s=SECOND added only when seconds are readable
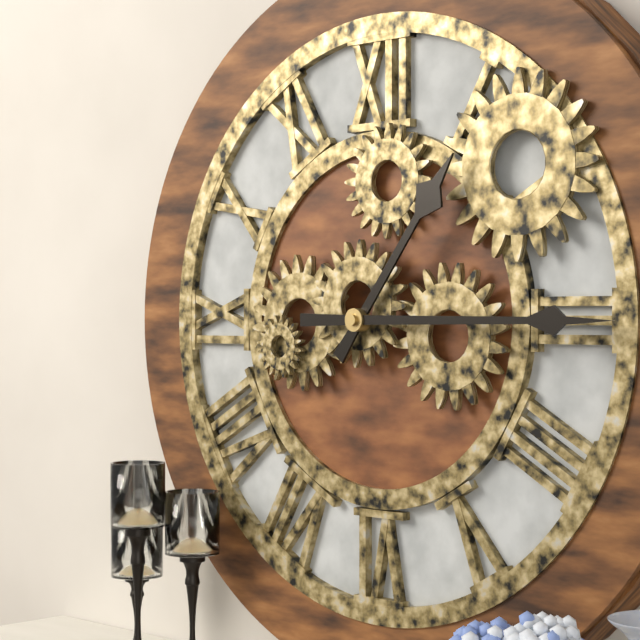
h=1 m=15
